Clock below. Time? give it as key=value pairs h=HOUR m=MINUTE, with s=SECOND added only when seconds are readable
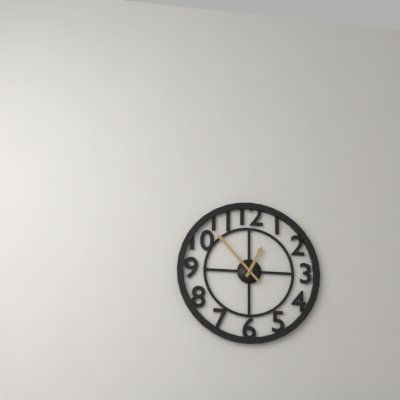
h=12 m=53
